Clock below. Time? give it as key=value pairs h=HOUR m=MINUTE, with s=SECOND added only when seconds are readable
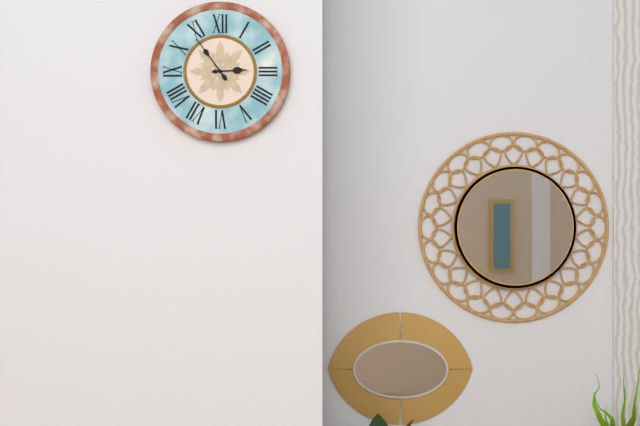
h=2 m=54
